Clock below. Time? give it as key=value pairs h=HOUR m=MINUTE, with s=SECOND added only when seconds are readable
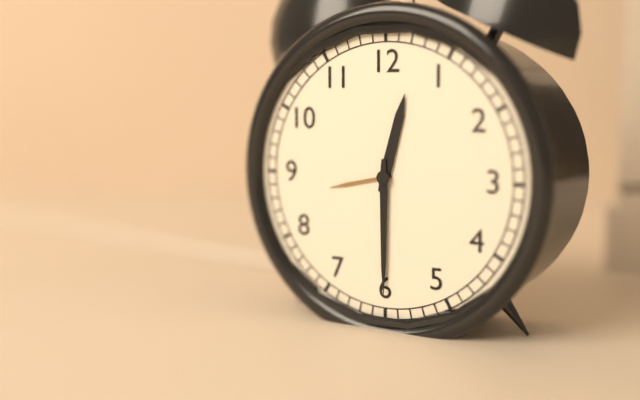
h=12 m=30
